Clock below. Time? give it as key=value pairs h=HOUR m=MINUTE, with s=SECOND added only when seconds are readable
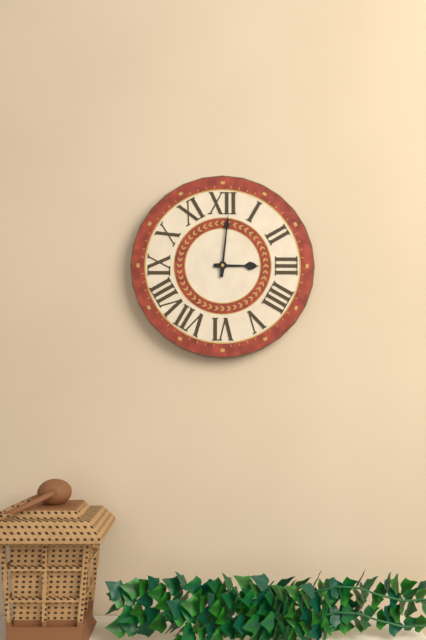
h=3 m=1
